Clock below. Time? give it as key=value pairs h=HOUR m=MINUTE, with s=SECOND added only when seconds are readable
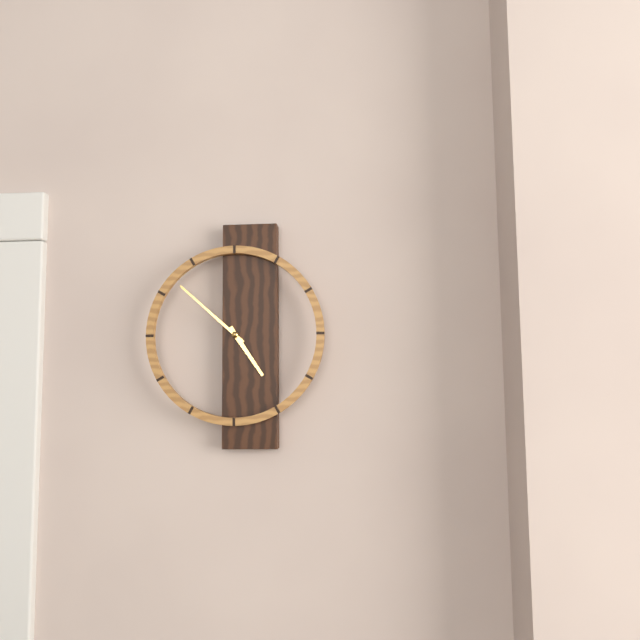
h=4 m=52
